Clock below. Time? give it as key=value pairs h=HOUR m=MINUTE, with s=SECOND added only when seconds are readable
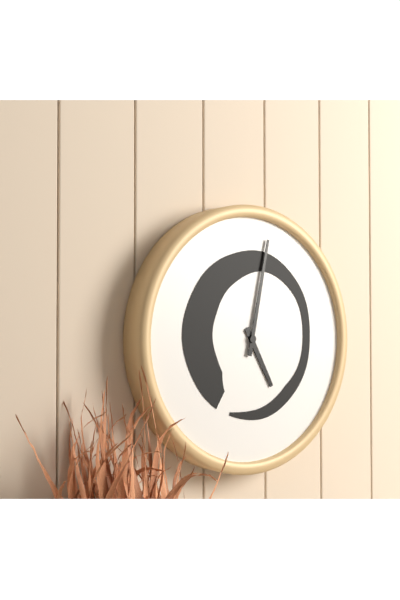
h=5 m=2
